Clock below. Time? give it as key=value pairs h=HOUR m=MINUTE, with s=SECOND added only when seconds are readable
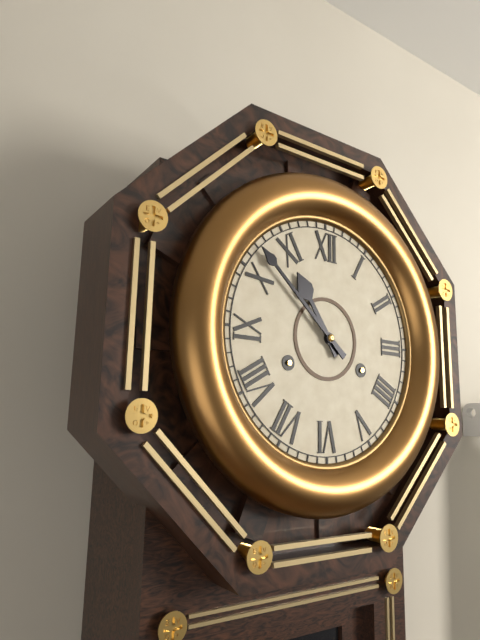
h=10 m=52
